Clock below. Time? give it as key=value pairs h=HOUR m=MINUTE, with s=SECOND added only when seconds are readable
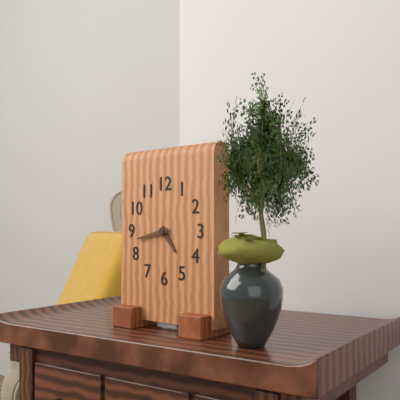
h=4 m=43
